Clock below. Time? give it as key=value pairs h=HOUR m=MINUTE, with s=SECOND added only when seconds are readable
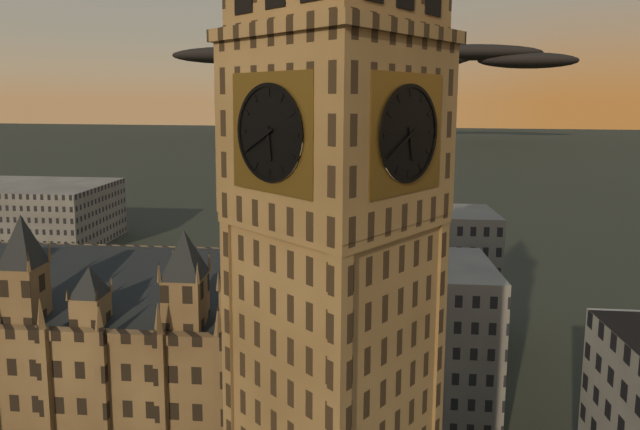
h=5 m=40
